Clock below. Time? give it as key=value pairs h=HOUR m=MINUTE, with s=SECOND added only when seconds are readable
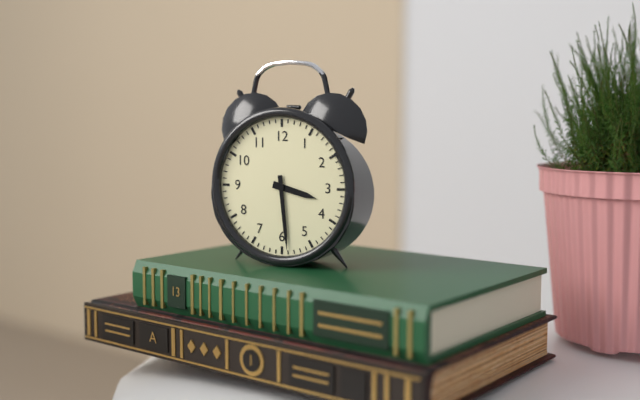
h=3 m=29
